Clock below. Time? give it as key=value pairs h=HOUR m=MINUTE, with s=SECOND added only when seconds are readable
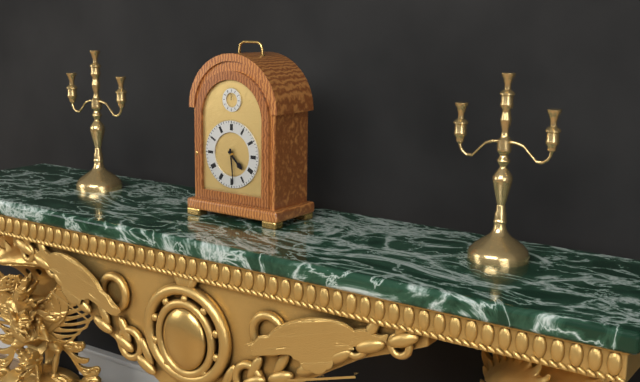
h=4 m=29
